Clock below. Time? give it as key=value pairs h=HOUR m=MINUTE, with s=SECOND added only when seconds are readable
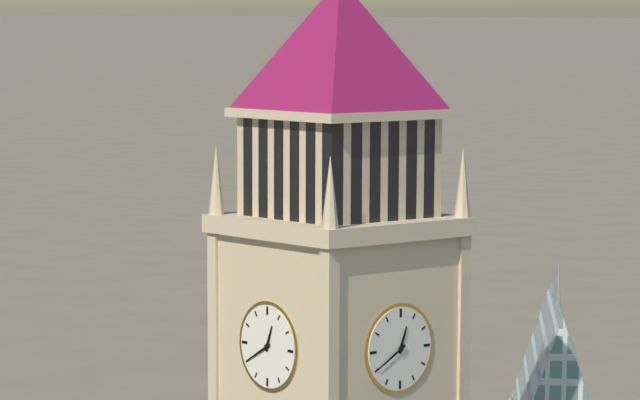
h=12 m=40
